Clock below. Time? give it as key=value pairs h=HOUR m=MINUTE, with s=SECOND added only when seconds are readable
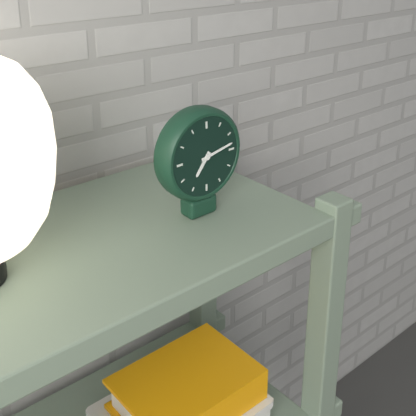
h=7 m=13
